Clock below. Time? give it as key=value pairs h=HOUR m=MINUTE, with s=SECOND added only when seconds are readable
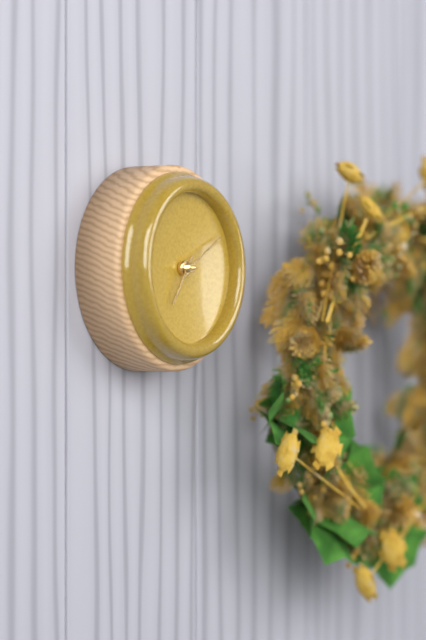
h=7 m=10
